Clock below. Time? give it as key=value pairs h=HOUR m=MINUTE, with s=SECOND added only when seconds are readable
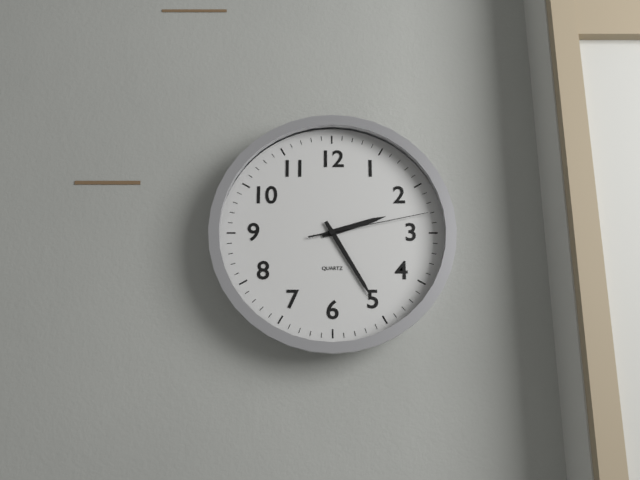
h=2 m=25 s=13
